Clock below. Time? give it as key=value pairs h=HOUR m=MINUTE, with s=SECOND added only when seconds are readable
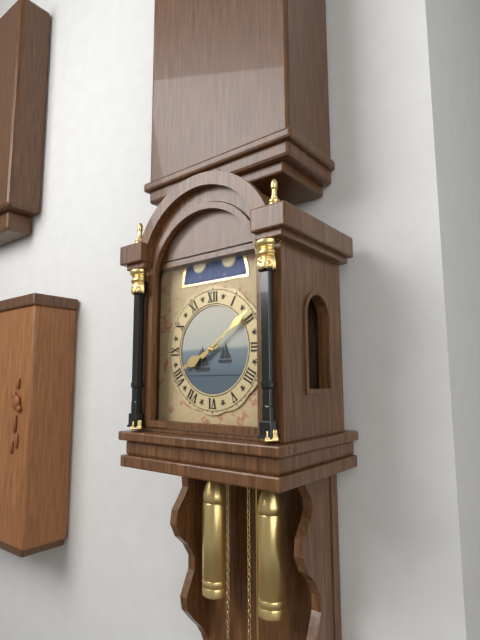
h=8 m=9
